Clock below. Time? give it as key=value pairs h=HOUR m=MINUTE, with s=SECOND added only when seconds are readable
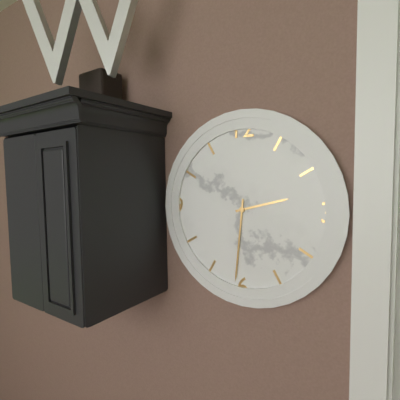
h=2 m=31
